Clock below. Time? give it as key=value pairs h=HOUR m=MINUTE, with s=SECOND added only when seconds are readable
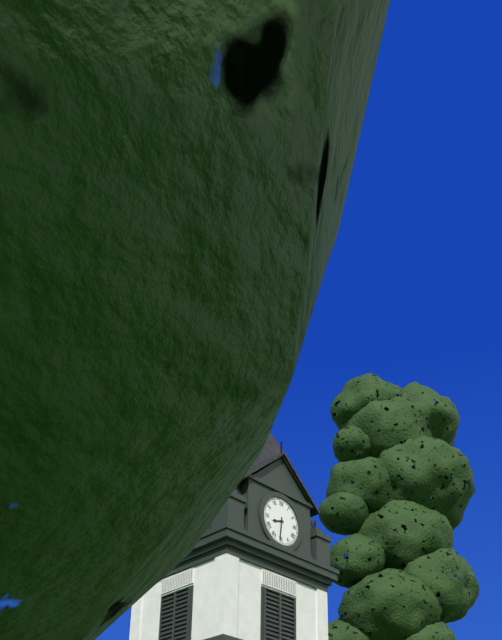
h=8 m=31
